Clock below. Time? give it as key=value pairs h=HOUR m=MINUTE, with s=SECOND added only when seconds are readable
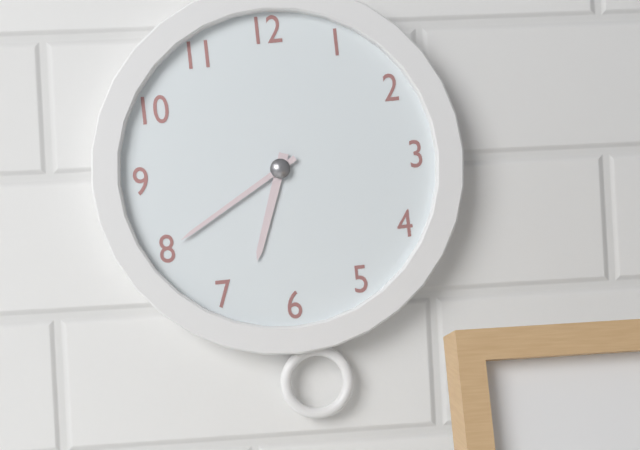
h=6 m=40
